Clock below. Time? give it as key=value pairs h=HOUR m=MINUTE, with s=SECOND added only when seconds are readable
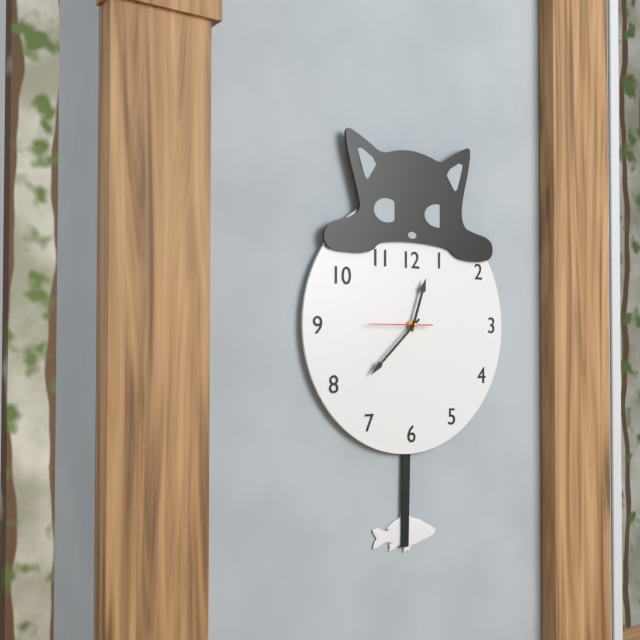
h=12 m=38
